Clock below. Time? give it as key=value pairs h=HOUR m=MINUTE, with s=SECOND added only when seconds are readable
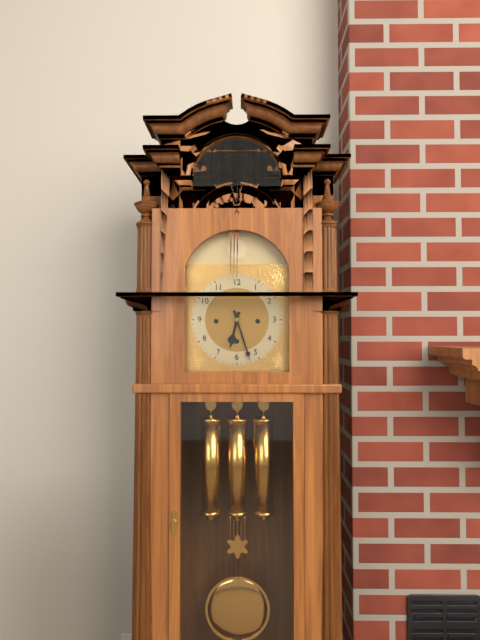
h=6 m=27
